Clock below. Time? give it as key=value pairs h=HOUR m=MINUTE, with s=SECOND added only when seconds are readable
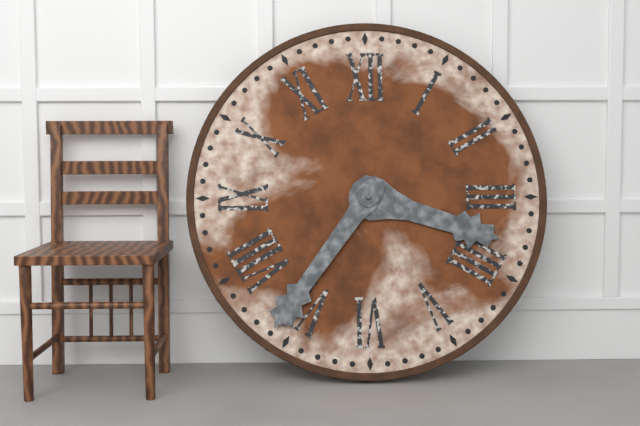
h=3 m=36
